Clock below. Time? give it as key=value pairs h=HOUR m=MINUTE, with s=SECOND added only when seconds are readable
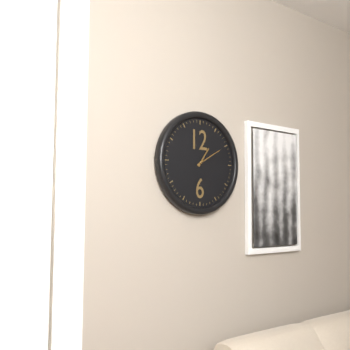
h=1 m=10
